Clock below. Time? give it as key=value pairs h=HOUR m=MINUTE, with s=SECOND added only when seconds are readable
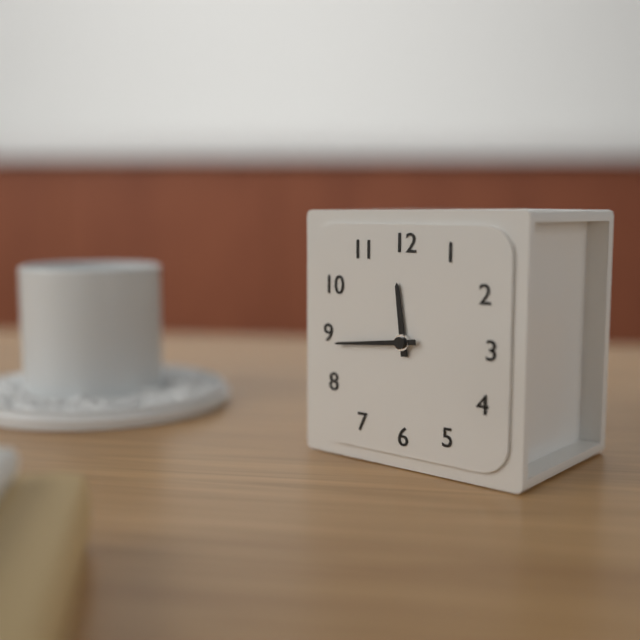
h=11 m=44
